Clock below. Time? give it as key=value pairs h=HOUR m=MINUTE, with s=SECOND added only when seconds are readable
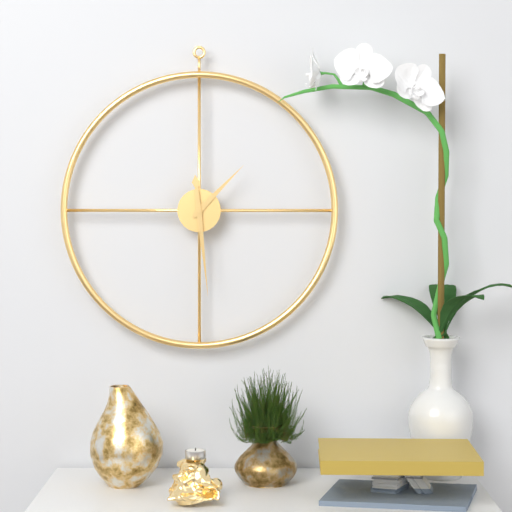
h=1 m=29
